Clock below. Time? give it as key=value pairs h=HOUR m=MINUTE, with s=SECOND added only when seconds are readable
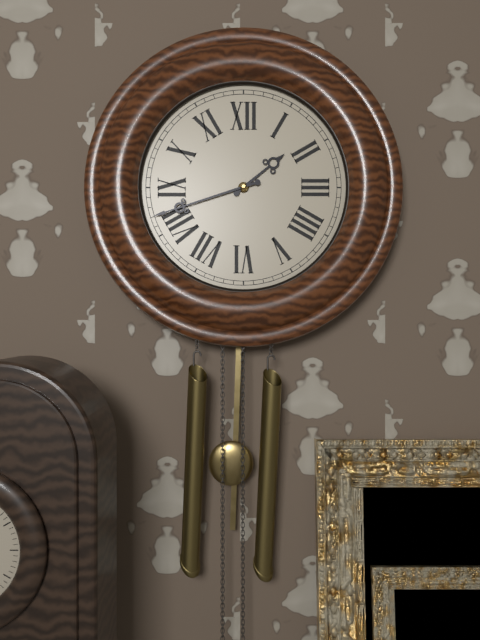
h=1 m=42
